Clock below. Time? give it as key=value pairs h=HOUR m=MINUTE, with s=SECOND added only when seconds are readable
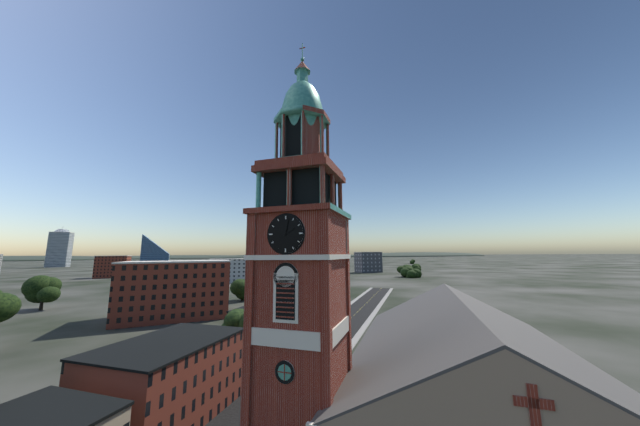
h=2 m=2
